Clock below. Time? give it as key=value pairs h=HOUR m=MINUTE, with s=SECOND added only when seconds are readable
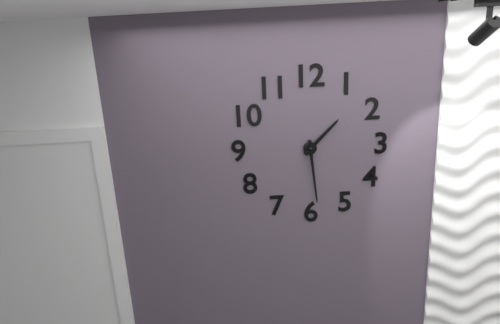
h=1 m=29
